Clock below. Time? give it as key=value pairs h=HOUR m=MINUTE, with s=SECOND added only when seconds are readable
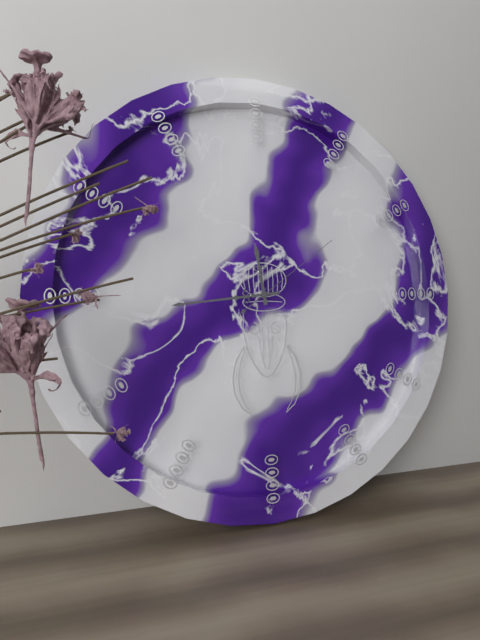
h=11 m=44 s=9
